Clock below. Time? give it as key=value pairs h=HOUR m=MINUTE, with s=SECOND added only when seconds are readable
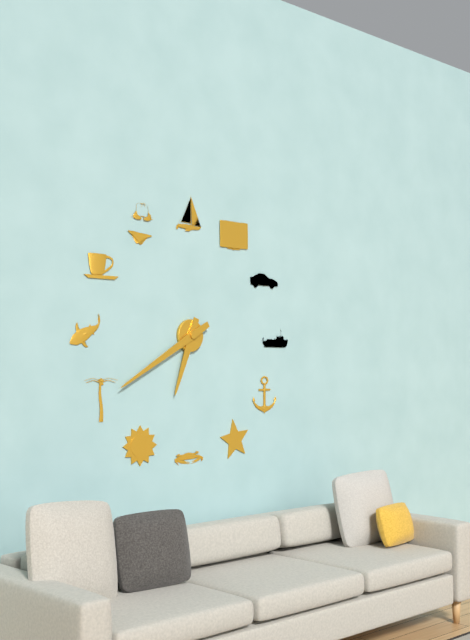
h=6 m=40
